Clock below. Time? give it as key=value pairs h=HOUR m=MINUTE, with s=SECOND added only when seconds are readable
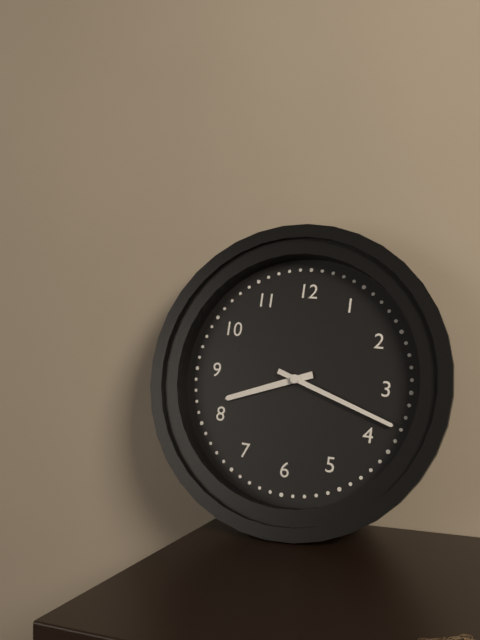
h=8 m=18
